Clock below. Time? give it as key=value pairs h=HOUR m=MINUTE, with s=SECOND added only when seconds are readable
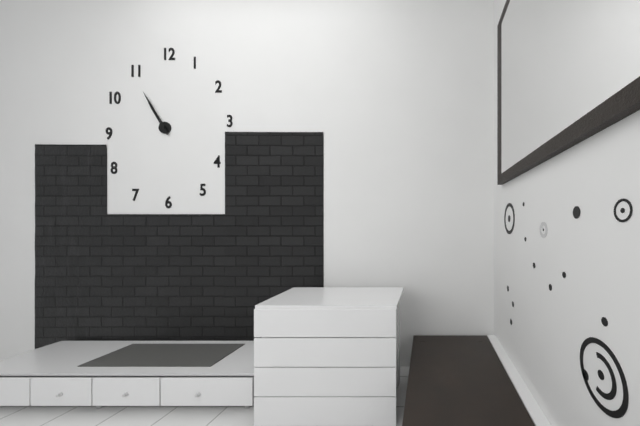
h=10 m=55
